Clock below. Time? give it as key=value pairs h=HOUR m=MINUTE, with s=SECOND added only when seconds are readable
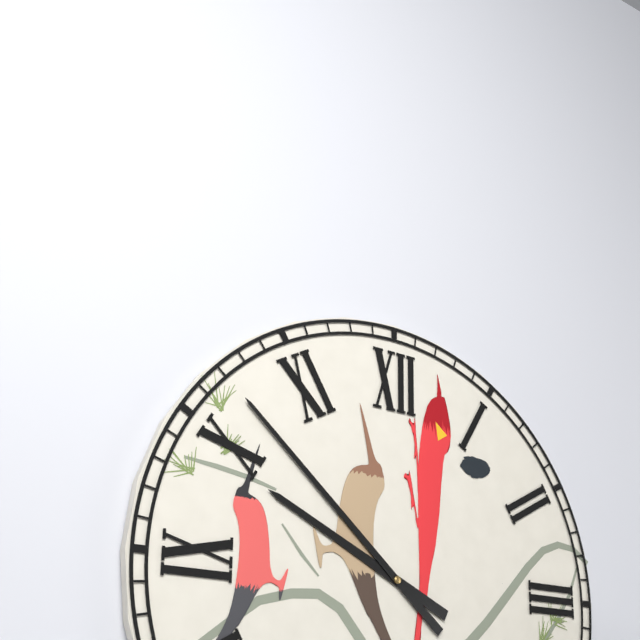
h=9 m=52
